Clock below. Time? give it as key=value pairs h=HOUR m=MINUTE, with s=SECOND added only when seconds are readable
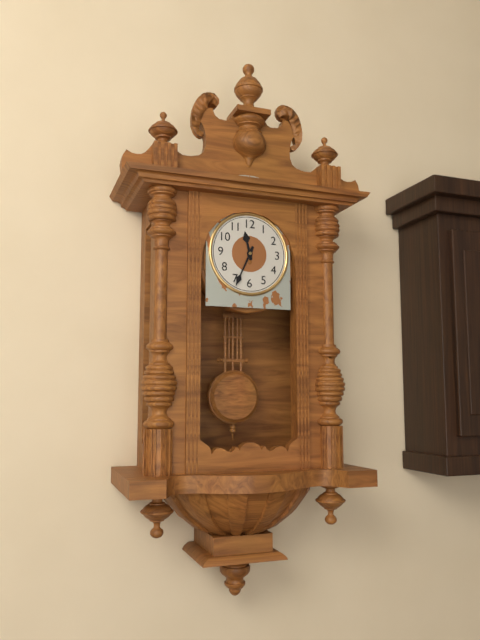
h=11 m=34
